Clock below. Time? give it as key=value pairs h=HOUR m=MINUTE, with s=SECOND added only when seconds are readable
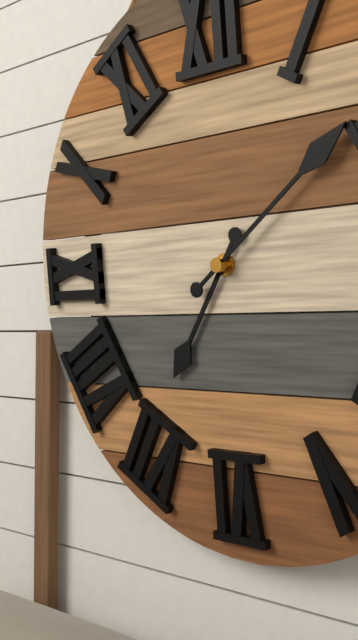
h=7 m=9
